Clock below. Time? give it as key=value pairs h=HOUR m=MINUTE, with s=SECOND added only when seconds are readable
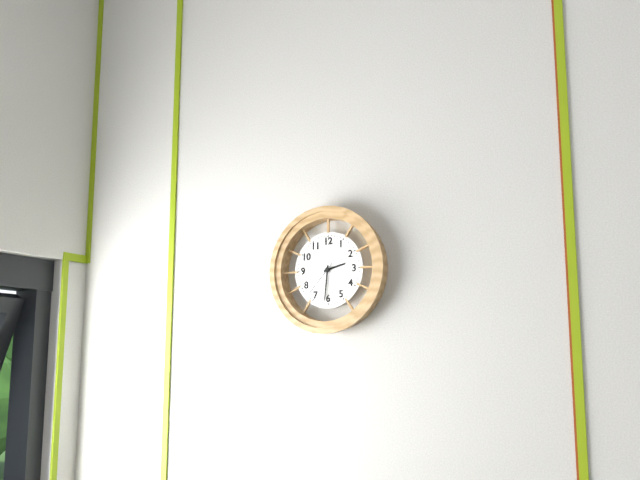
h=2 m=31
